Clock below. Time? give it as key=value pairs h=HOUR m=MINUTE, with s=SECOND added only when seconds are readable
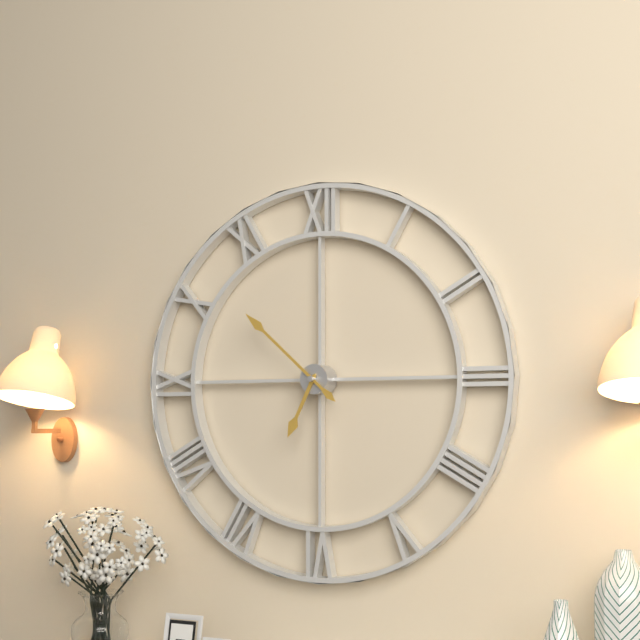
h=6 m=52
